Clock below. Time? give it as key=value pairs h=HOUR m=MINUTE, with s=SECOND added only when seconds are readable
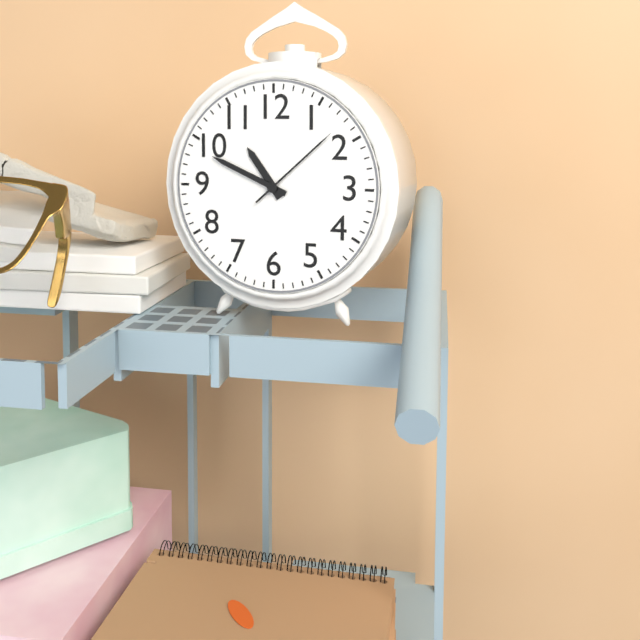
h=10 m=49 s=8
